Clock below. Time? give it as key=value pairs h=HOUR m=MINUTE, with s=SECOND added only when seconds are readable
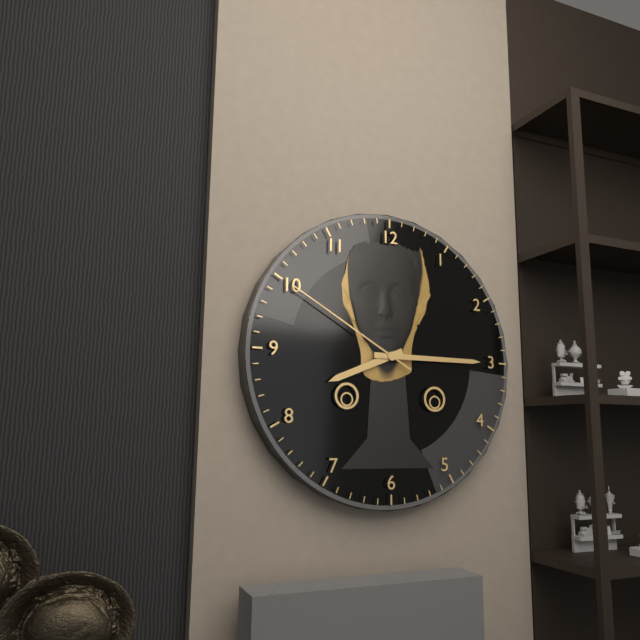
h=8 m=15 s=50
